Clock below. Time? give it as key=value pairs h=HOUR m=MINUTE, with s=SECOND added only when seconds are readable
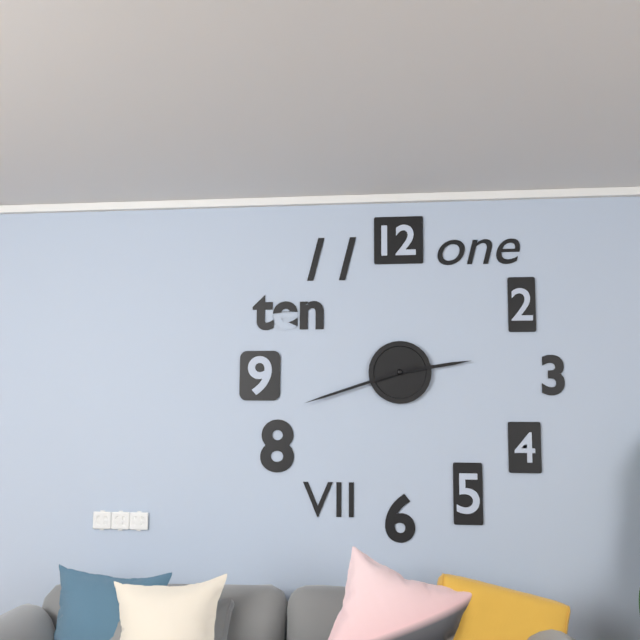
h=2 m=42
